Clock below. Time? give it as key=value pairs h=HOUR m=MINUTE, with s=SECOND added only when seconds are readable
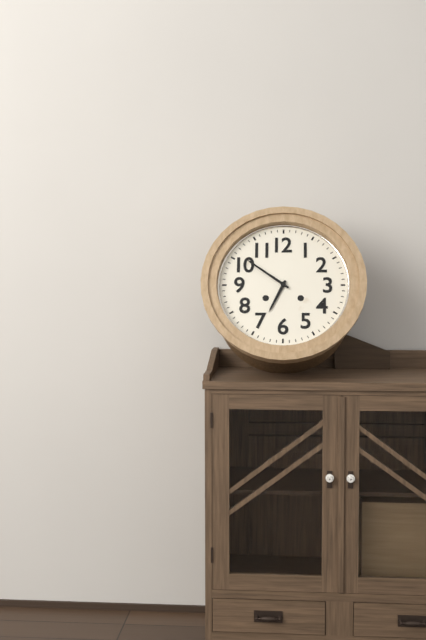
h=6 m=51
